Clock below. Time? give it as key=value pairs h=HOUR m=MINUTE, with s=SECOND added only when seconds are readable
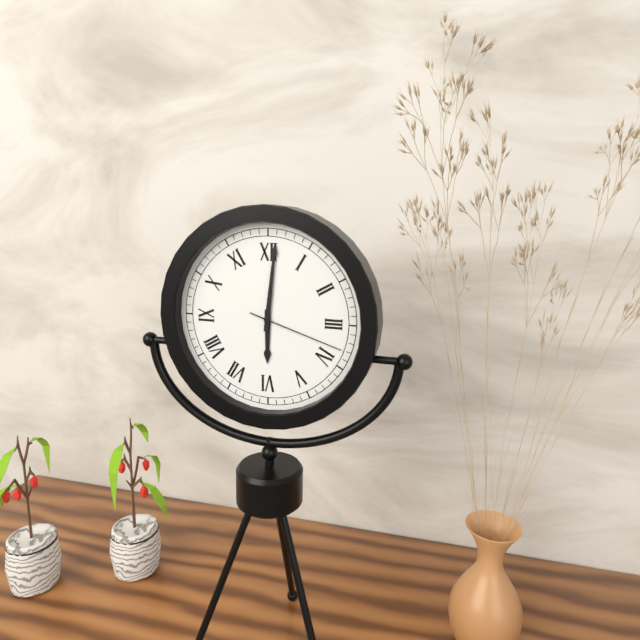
h=6 m=1 s=18
